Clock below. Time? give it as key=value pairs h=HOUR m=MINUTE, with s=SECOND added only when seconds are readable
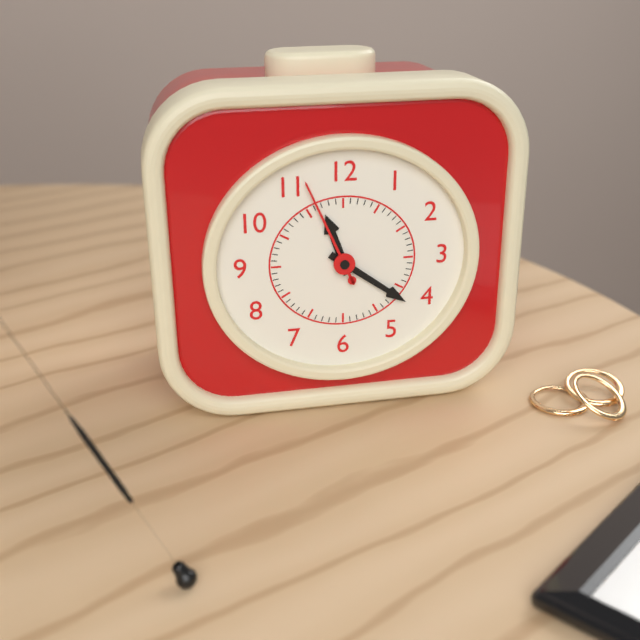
h=11 m=21 s=56
